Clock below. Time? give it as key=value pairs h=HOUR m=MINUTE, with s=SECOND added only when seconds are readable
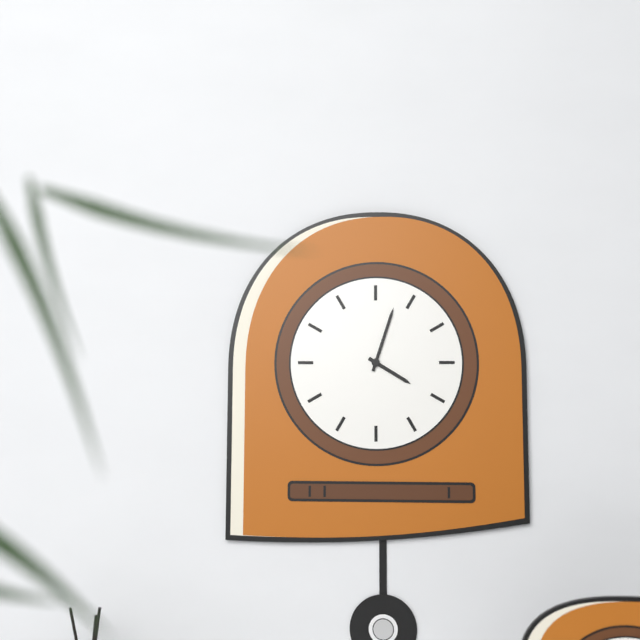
h=4 m=3
